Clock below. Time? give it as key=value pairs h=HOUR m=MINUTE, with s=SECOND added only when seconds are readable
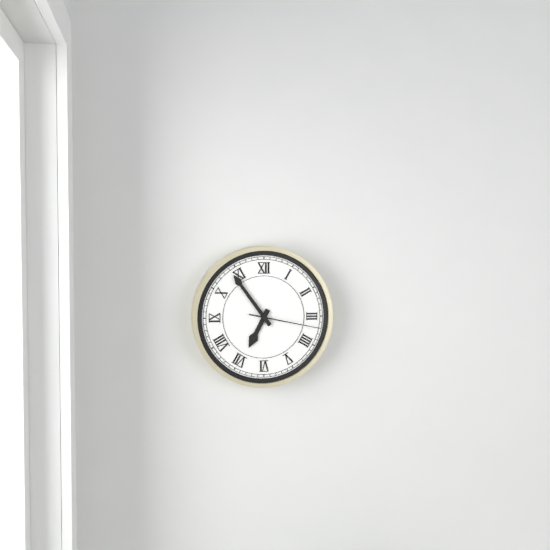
h=6 m=54 s=17
